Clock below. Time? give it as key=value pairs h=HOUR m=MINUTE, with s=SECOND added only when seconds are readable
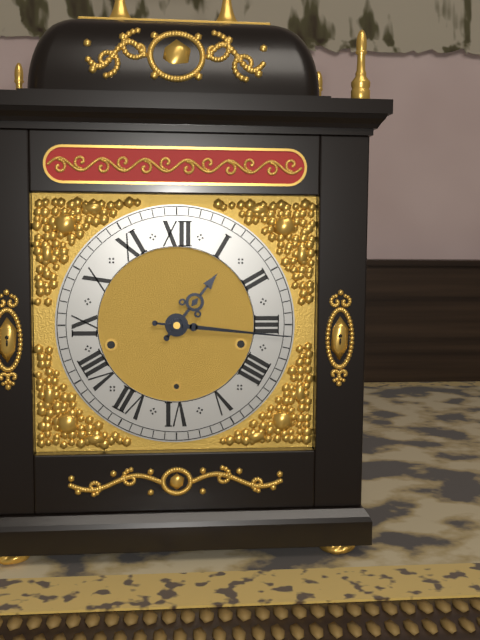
h=1 m=16
